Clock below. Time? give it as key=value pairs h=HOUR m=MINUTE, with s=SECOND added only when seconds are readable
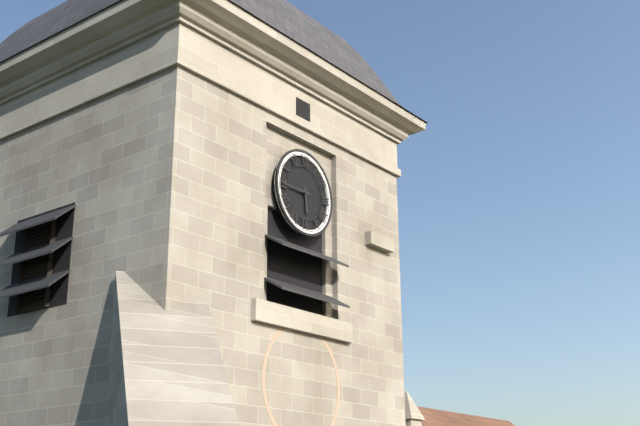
h=5 m=45
